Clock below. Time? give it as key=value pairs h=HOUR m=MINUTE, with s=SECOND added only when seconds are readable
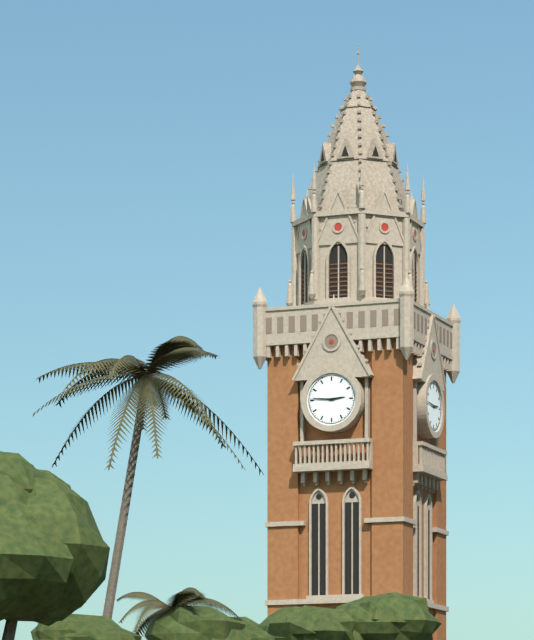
h=2 m=46
